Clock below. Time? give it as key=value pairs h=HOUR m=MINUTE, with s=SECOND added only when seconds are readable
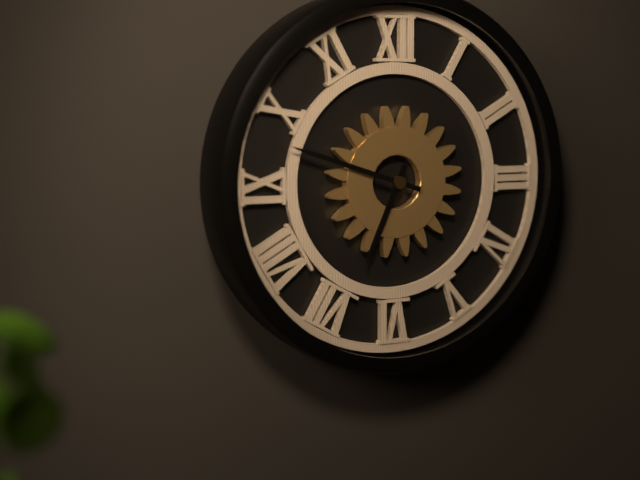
h=6 m=48
